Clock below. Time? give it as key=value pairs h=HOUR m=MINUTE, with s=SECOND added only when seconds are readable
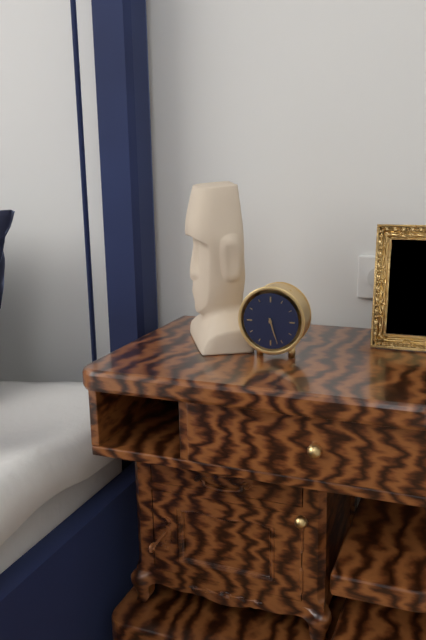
h=5 m=27
